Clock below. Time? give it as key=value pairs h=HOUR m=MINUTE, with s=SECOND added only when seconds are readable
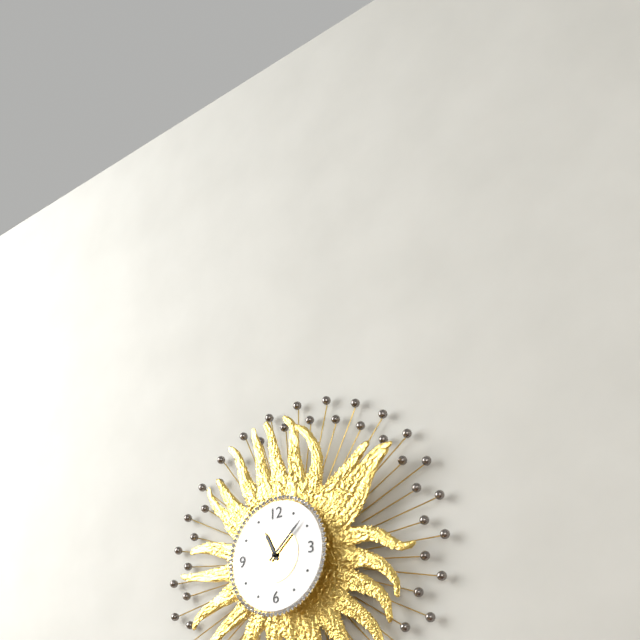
h=11 m=8
